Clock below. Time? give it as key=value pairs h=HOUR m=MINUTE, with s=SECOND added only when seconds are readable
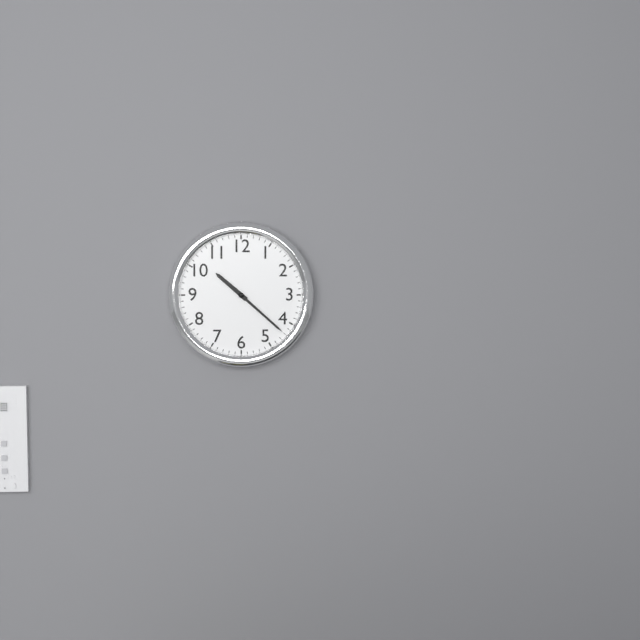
h=10 m=22
